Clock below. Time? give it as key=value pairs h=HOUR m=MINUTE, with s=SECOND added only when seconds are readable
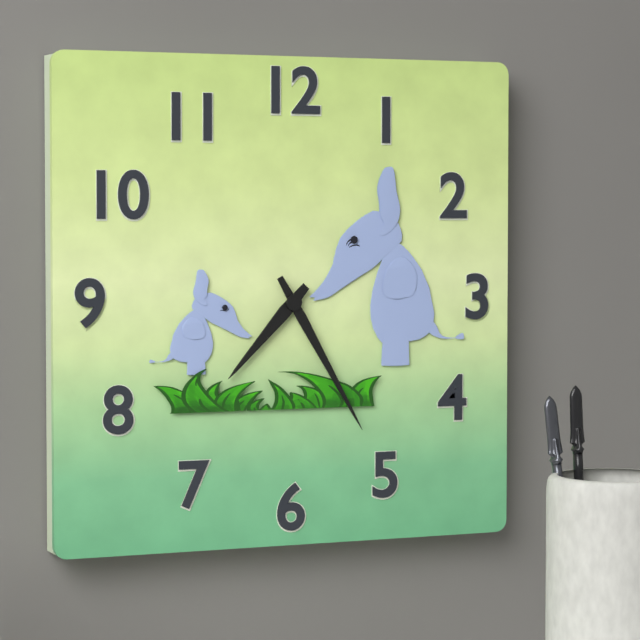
h=7 m=25
